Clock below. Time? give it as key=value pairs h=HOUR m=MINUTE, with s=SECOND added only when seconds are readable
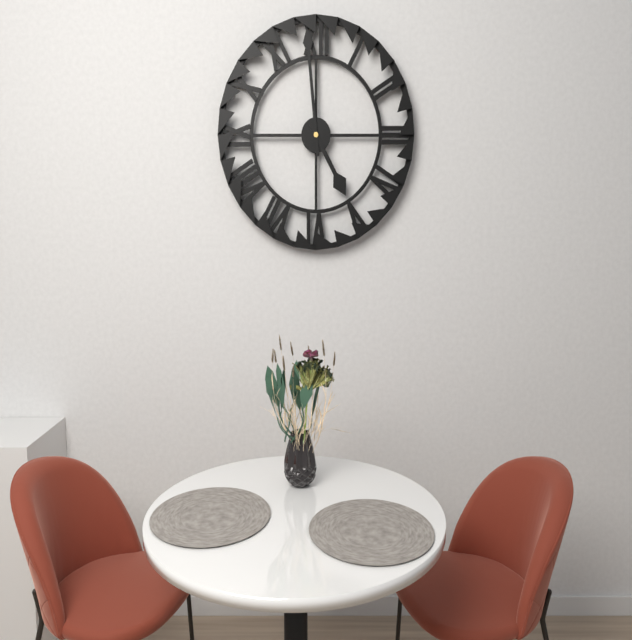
h=4 m=59
